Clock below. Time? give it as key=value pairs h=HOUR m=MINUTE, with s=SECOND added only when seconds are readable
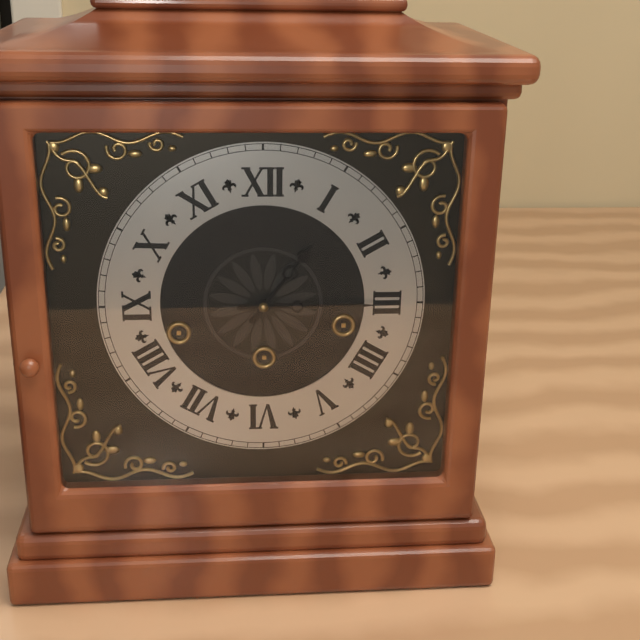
h=1 m=15
